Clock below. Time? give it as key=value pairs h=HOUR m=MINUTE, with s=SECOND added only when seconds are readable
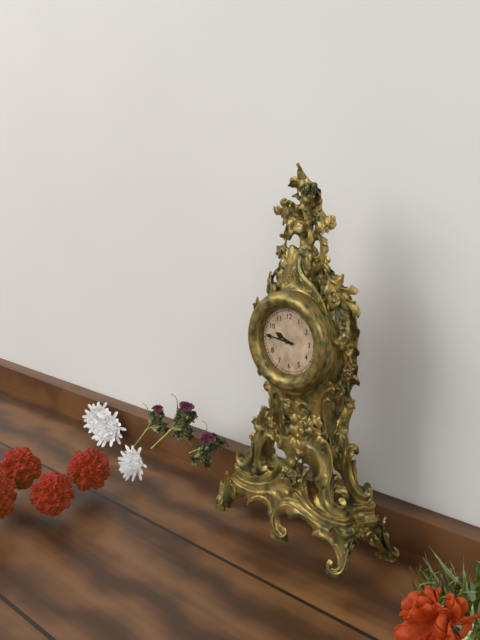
h=9 m=46
